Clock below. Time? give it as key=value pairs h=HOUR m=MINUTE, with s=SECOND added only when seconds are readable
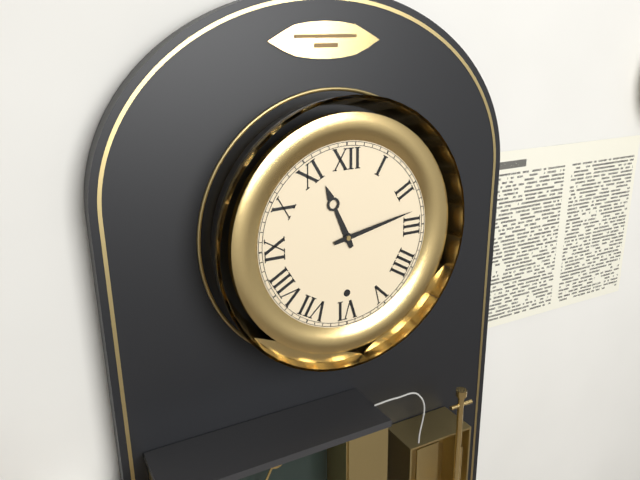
h=11 m=13
